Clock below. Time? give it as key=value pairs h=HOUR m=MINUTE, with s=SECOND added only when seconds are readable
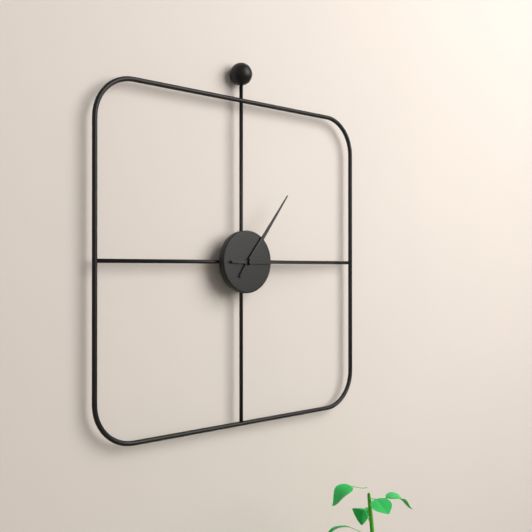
h=1 m=15
